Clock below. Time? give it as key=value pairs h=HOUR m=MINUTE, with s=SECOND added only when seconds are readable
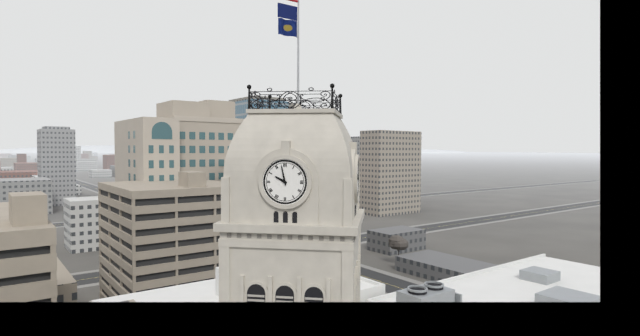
h=9 m=58
